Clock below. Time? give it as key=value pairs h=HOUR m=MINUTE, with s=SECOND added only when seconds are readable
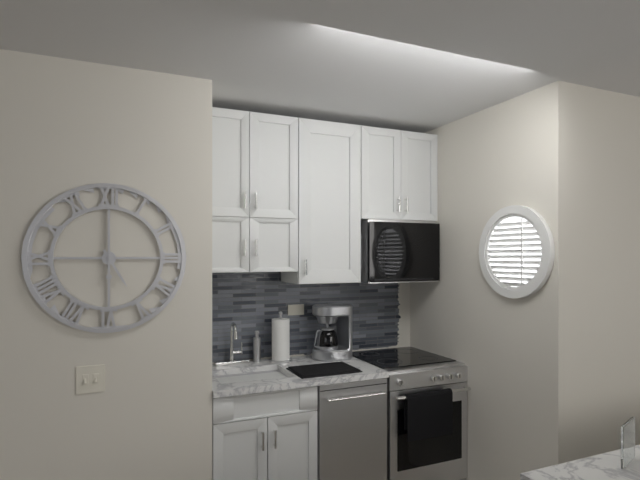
h=5 m=0
